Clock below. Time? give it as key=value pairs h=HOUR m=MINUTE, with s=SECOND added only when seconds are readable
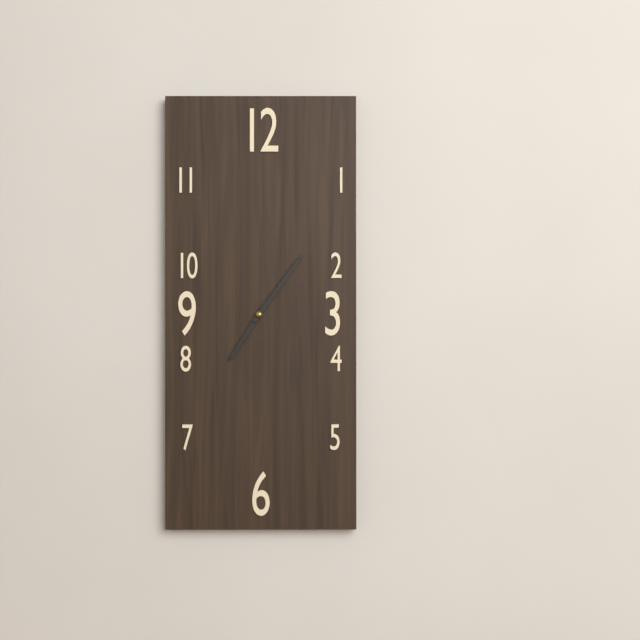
h=7 m=6
